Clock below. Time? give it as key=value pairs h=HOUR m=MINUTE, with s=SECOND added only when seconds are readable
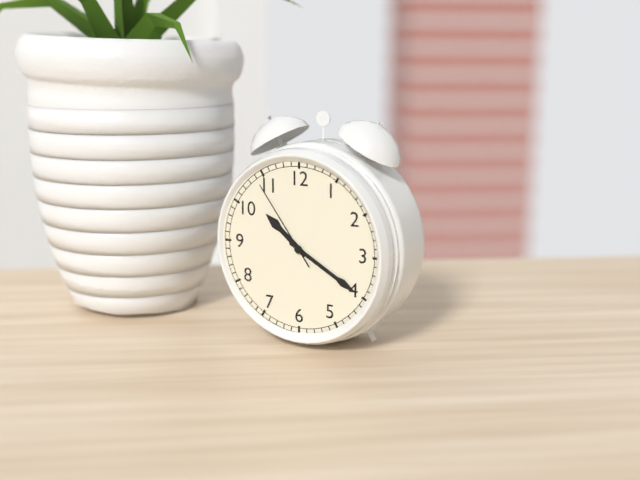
h=10 m=20 s=54
